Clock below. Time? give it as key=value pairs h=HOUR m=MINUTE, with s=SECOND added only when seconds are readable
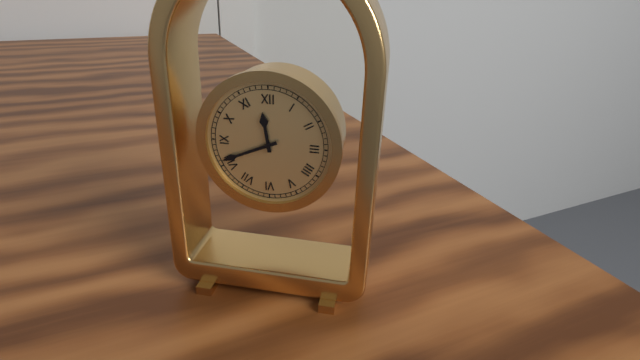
h=11 m=41
